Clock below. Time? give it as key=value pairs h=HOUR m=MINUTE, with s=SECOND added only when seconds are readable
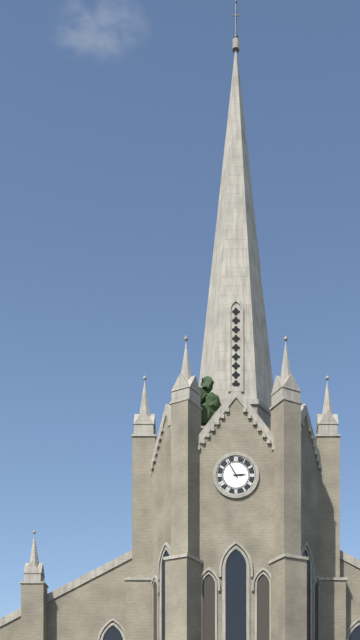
h=2 m=55
